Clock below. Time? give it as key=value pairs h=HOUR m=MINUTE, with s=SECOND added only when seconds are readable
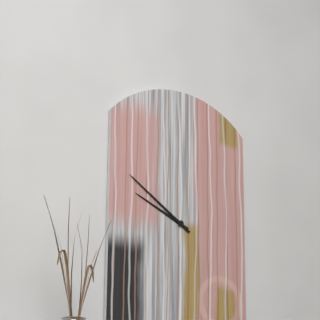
h=9 m=51
